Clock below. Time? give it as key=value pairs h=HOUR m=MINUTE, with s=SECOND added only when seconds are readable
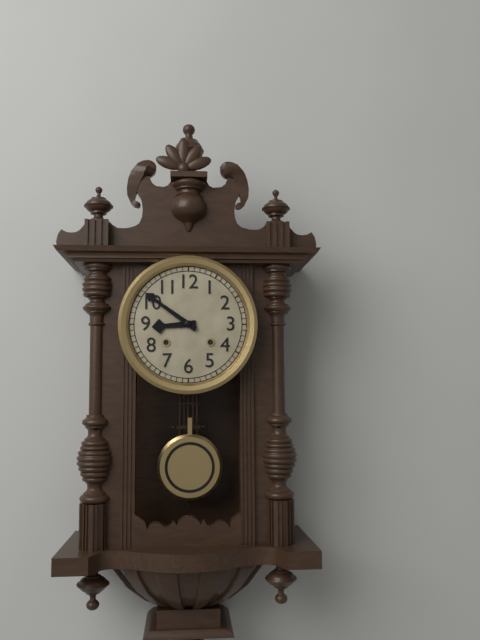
h=8 m=51
